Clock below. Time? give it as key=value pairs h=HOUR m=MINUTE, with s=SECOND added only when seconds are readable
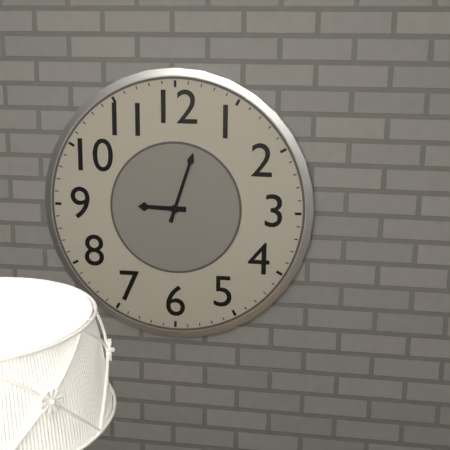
h=9 m=3
